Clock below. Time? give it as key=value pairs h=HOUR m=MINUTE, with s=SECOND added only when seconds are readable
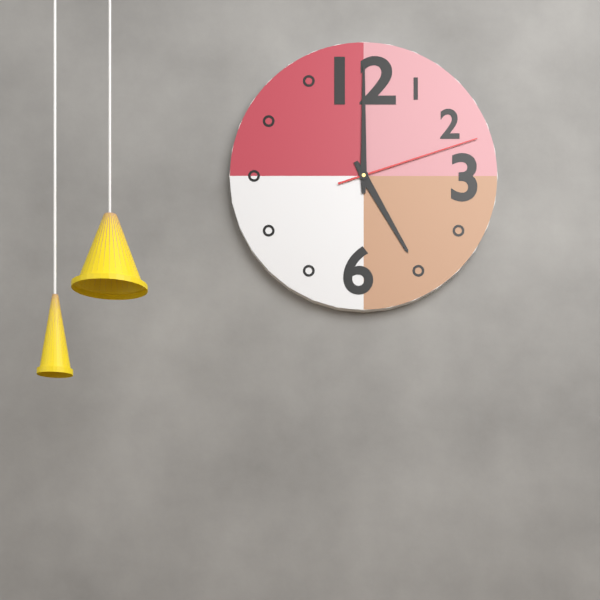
h=5 m=0 s=12
